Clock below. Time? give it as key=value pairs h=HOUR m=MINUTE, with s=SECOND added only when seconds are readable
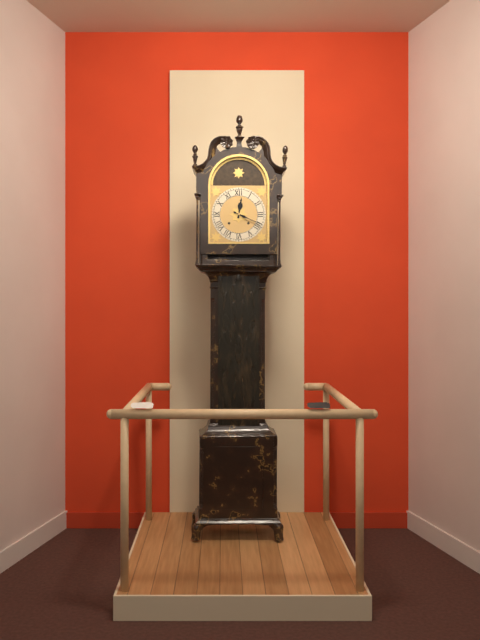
h=12 m=19
